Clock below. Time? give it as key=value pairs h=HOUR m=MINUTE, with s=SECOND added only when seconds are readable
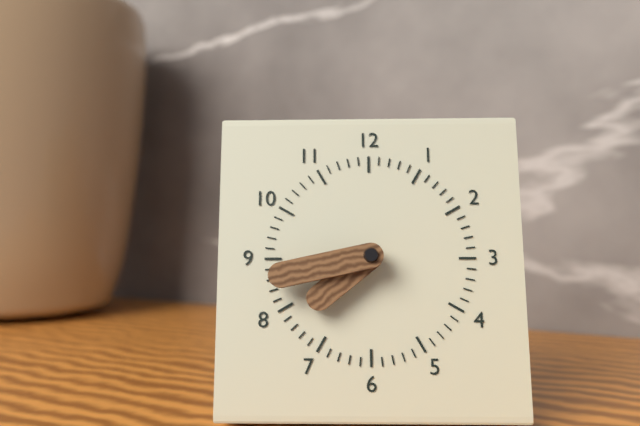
h=7 m=43
